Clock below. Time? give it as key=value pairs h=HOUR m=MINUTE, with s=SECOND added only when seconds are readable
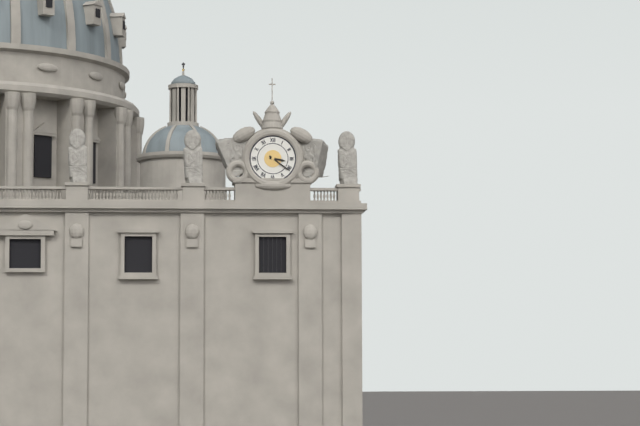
h=3 m=21
